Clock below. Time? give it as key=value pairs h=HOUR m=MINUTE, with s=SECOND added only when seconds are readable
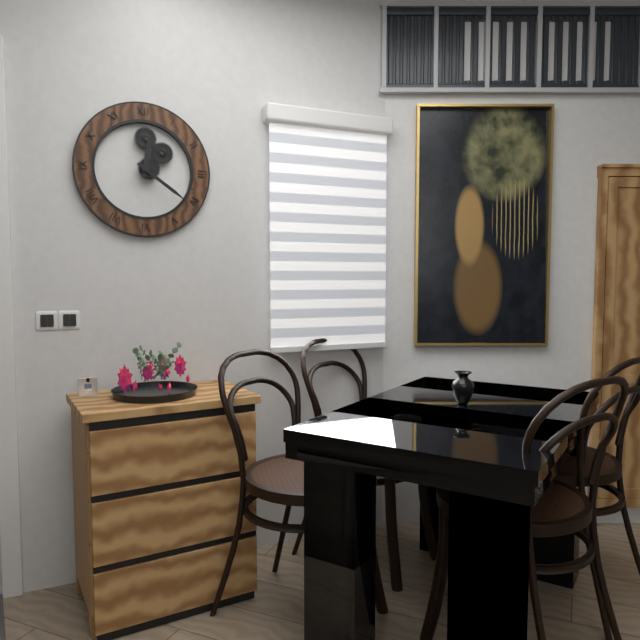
h=12 m=21
